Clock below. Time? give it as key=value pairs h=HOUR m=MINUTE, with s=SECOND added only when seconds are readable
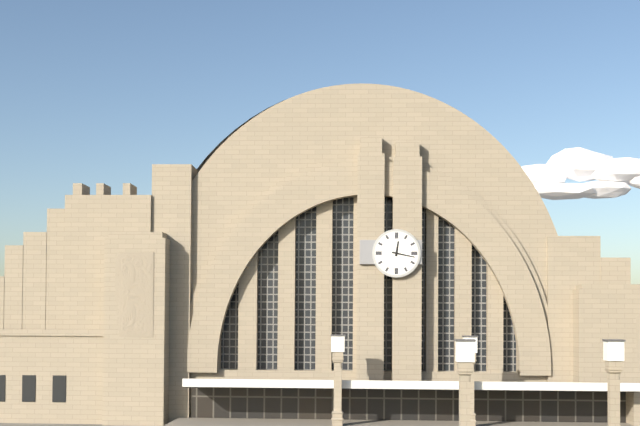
h=12 m=17
